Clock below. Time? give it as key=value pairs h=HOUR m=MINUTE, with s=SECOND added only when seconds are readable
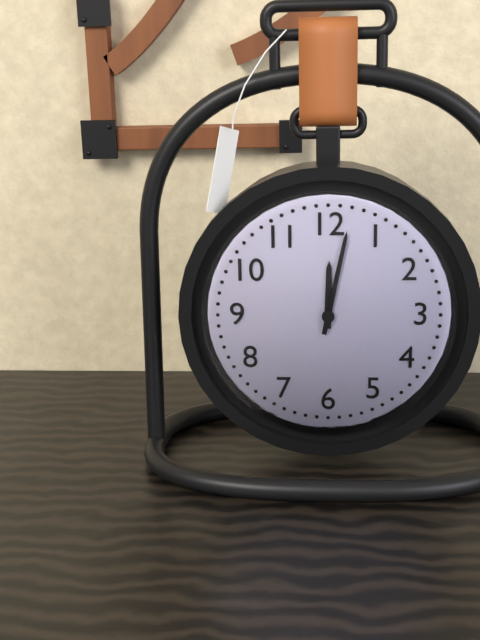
h=12 m=2
